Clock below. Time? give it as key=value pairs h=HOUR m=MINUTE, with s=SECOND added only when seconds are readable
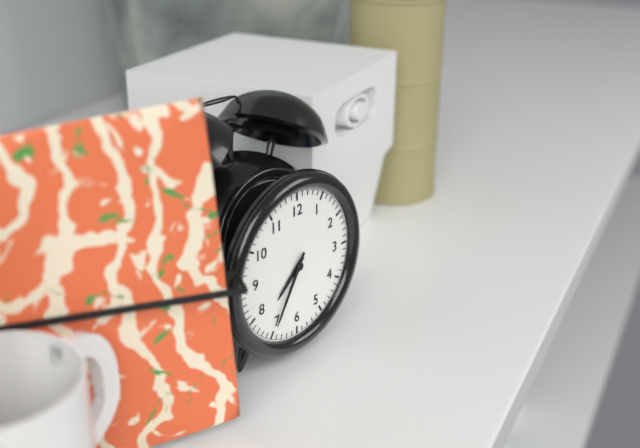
h=7 m=35
